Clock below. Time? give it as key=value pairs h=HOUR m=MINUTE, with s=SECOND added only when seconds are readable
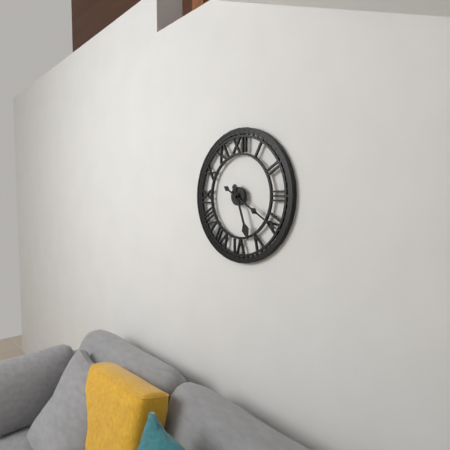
h=5 m=20
